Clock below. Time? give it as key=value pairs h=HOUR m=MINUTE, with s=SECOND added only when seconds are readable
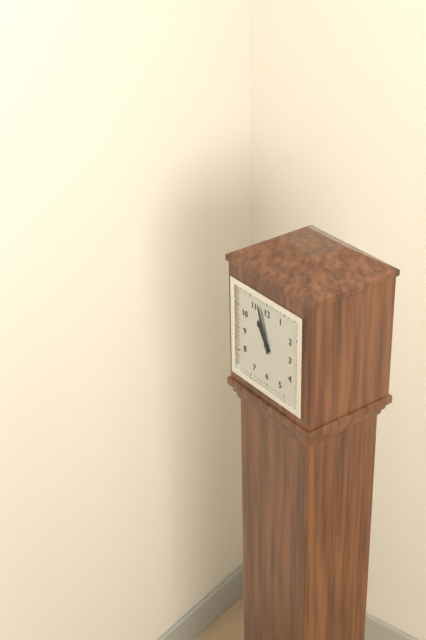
h=10 m=57
